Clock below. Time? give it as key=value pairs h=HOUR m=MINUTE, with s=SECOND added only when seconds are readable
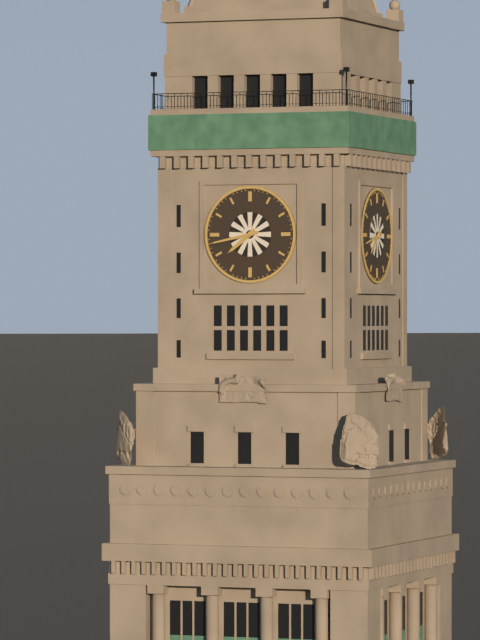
h=7 m=43
